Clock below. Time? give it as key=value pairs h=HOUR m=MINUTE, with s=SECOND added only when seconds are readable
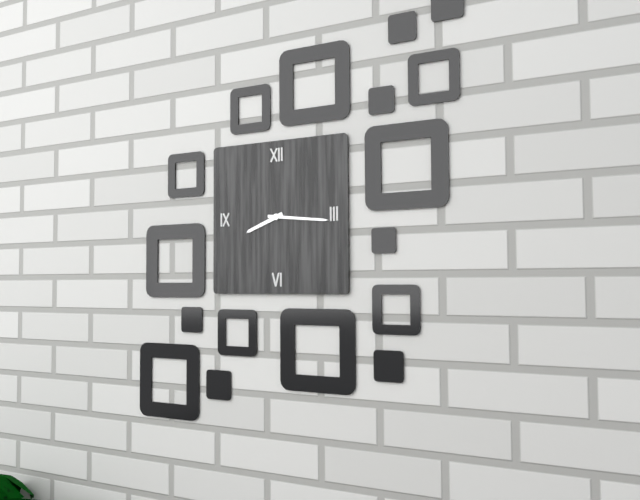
h=8 m=16
